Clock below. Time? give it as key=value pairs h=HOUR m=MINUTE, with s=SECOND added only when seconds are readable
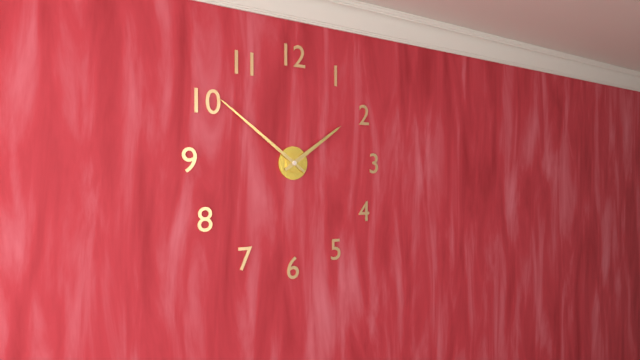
h=1 m=51
